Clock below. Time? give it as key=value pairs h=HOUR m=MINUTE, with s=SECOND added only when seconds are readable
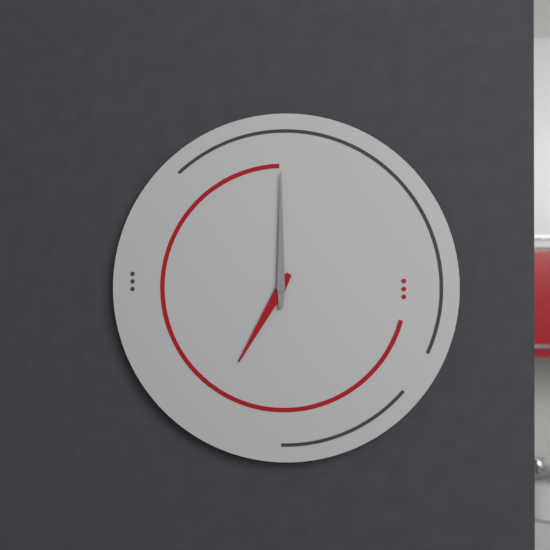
h=7 m=0
